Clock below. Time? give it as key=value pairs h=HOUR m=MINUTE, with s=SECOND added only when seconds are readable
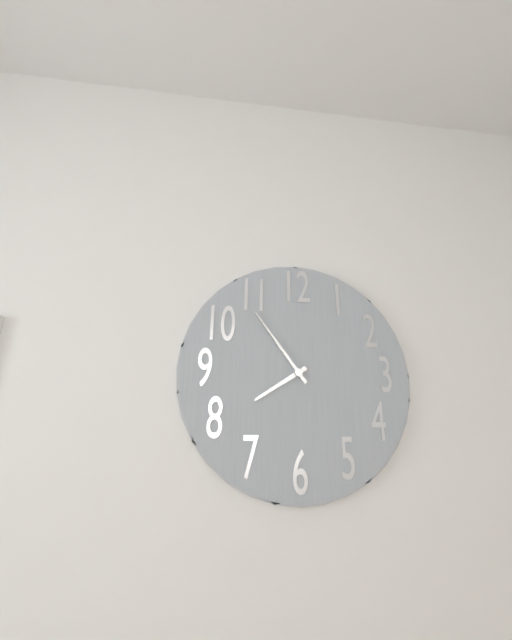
h=7 m=54
